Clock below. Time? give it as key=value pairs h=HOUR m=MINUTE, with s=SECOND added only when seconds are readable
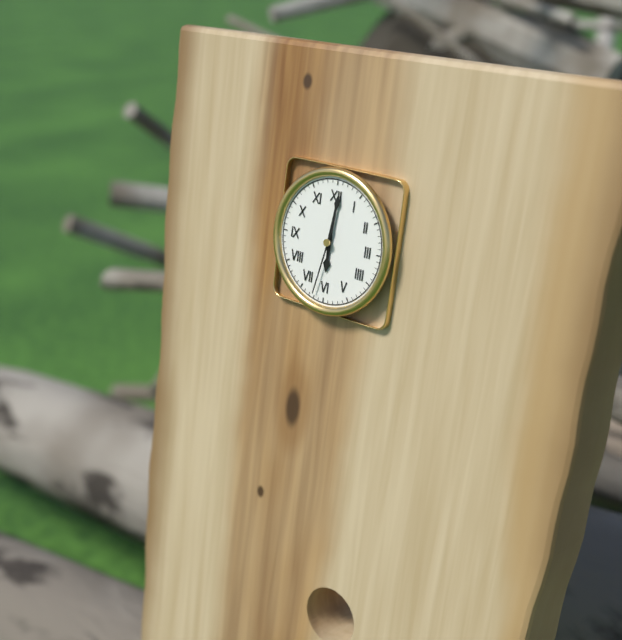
h=6 m=1 s=32
